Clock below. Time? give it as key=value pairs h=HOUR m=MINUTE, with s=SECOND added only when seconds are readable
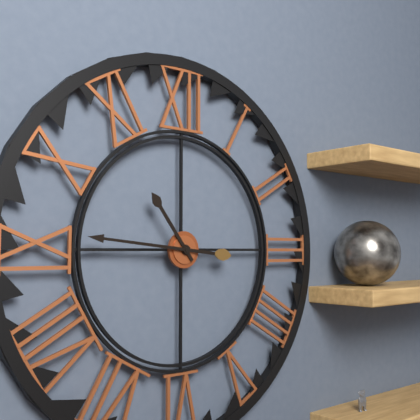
h=10 m=46
